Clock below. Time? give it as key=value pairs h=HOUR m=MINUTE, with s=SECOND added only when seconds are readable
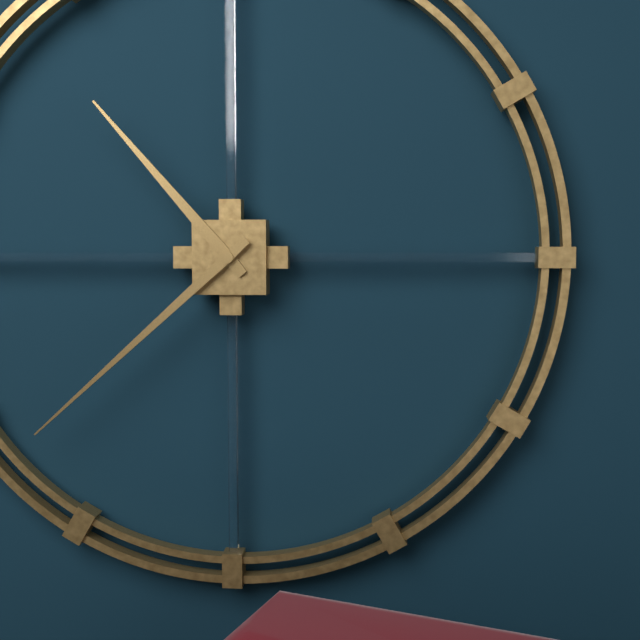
h=10 m=38
